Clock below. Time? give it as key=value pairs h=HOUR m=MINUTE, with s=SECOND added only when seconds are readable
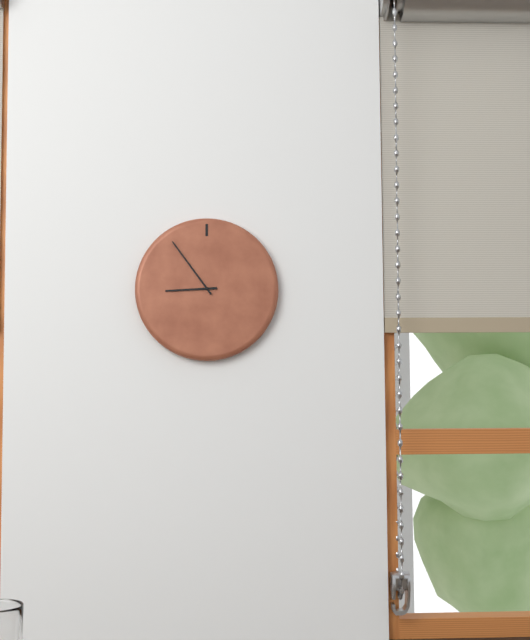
h=8 m=54
